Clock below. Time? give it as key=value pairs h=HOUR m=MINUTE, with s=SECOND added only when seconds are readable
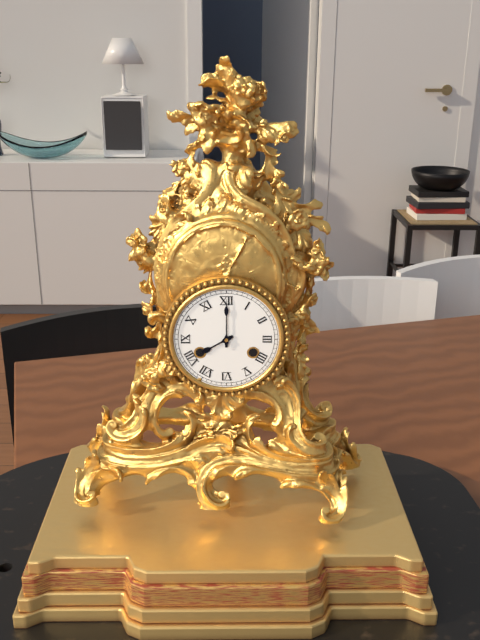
h=8 m=0
